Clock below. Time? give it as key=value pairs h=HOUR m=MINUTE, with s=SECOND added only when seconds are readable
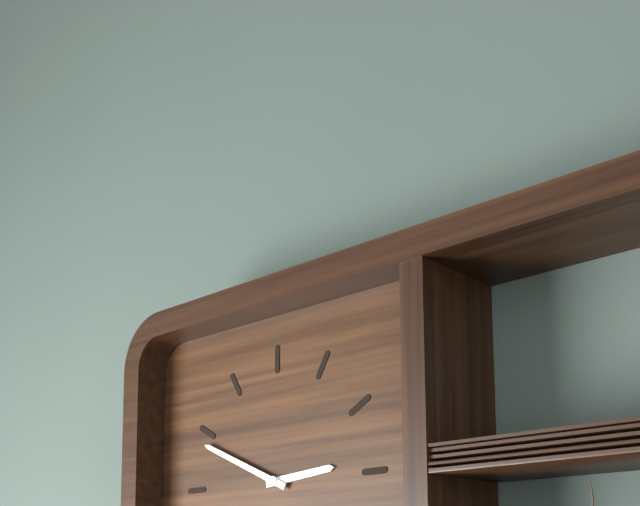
h=2 m=49
